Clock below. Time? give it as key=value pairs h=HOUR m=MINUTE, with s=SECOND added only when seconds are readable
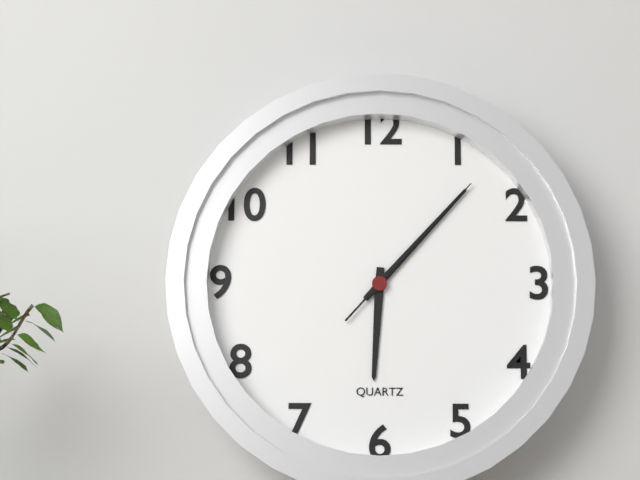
h=6 m=7 s=7
